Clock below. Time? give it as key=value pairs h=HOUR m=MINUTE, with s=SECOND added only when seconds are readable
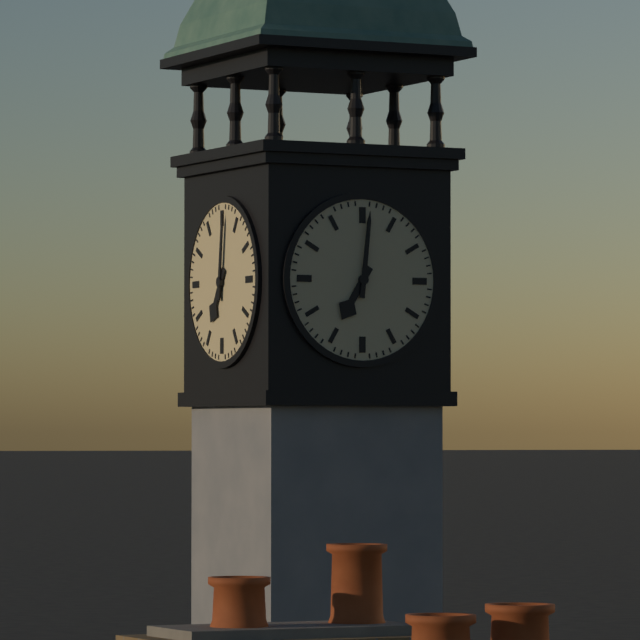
h=7 m=1
